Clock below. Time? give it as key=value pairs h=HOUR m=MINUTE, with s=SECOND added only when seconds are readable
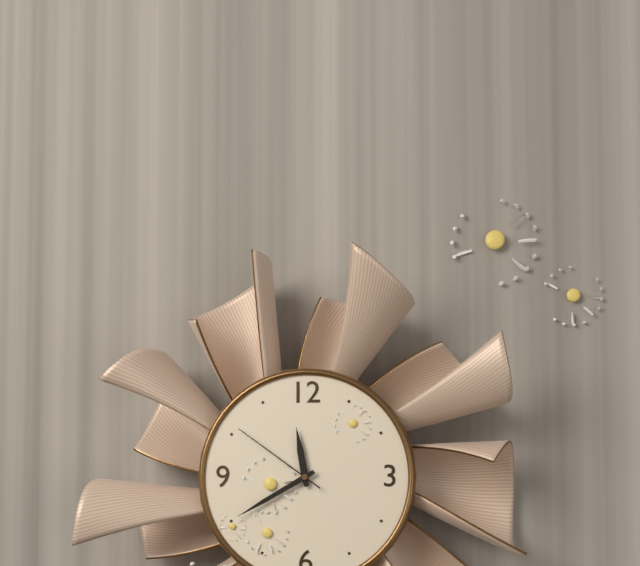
h=11 m=40 s=51
